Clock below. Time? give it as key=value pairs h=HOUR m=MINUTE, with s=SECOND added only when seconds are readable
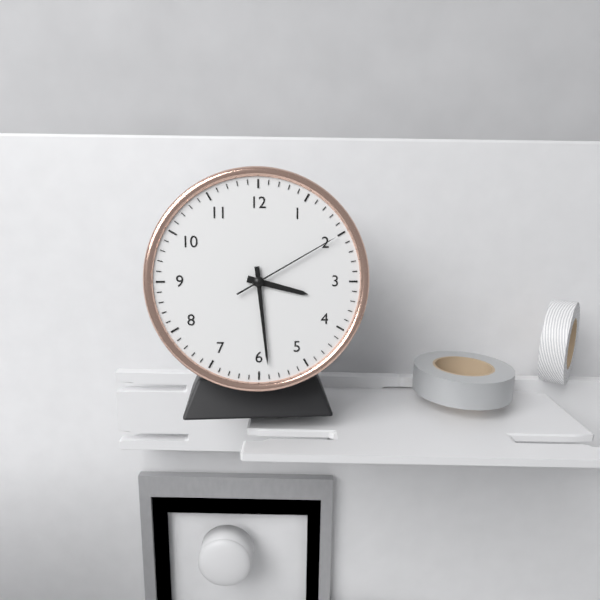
h=3 m=29 s=10
